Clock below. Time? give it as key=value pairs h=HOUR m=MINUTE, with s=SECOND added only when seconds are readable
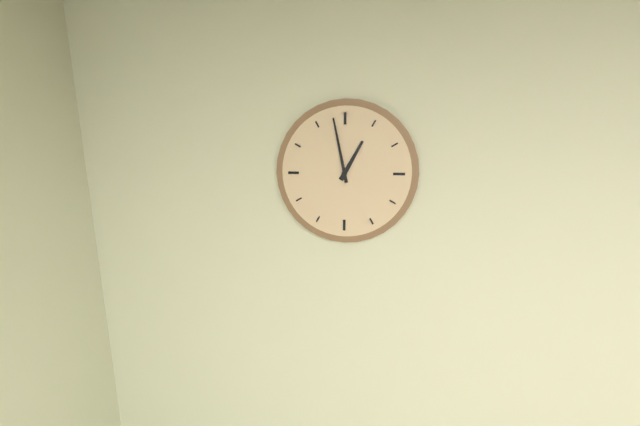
h=12 m=58
